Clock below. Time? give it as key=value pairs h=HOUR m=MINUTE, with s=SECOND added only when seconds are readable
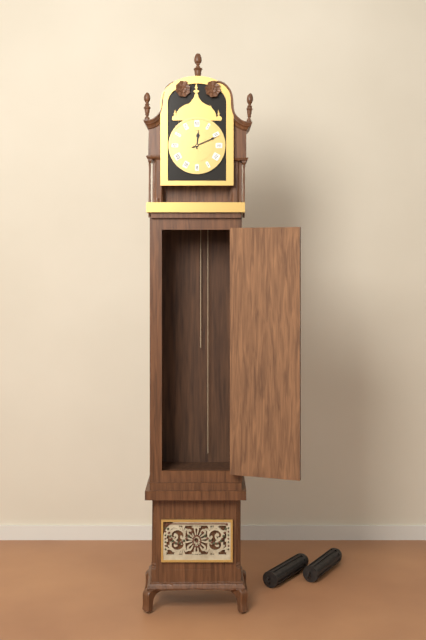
h=12 m=11
